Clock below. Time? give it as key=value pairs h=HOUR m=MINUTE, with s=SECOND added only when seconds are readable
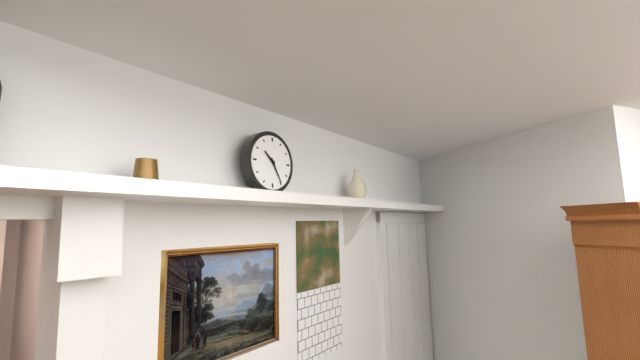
h=10 m=25
